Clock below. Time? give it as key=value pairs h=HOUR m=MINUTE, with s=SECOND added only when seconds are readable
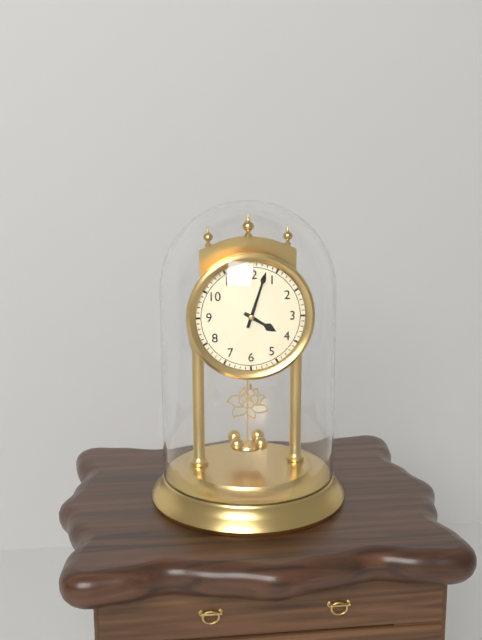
h=4 m=3
